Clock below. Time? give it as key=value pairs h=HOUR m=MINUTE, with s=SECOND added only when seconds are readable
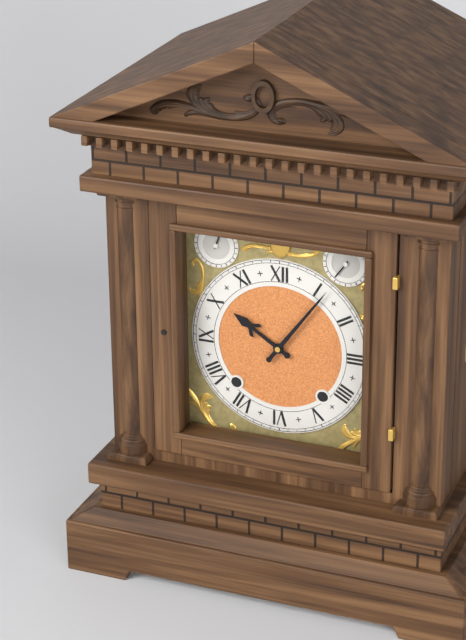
h=10 m=6
